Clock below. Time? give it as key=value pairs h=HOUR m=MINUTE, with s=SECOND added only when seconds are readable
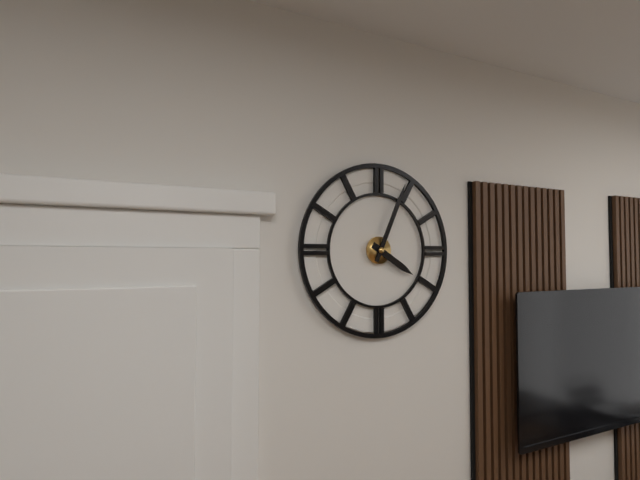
h=4 m=4
